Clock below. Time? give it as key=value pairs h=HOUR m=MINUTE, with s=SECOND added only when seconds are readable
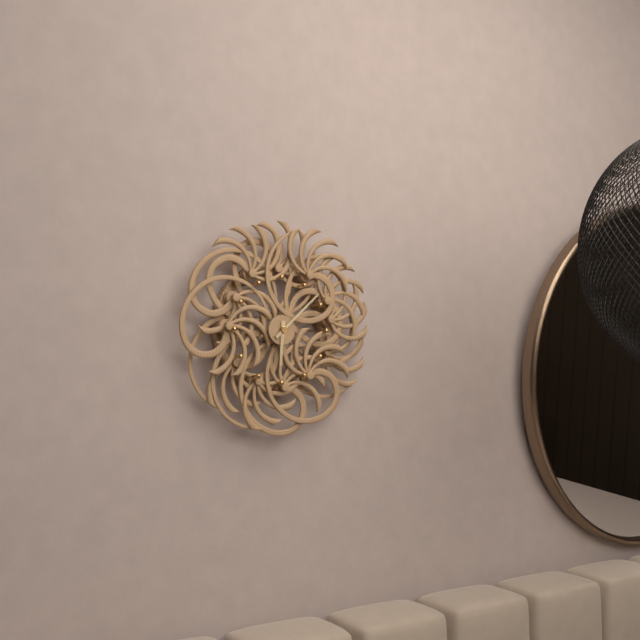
h=6 m=8
